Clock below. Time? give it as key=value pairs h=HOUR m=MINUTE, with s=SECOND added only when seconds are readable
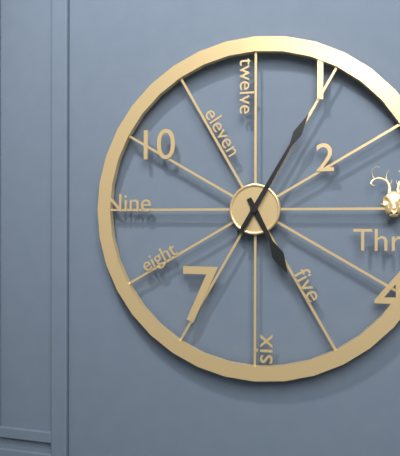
h=5 m=5
